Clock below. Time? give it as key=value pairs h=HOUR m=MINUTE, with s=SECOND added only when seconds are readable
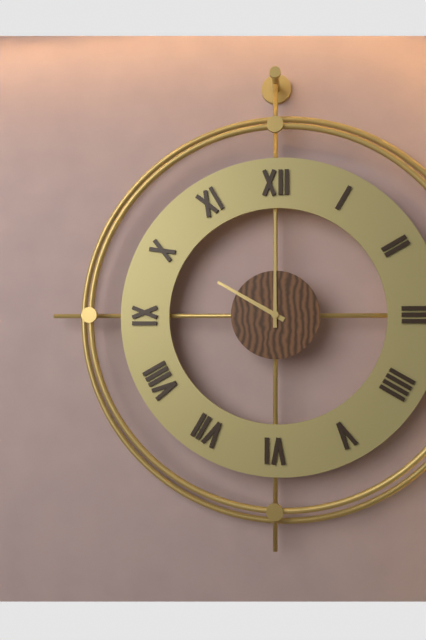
h=10 m=0
